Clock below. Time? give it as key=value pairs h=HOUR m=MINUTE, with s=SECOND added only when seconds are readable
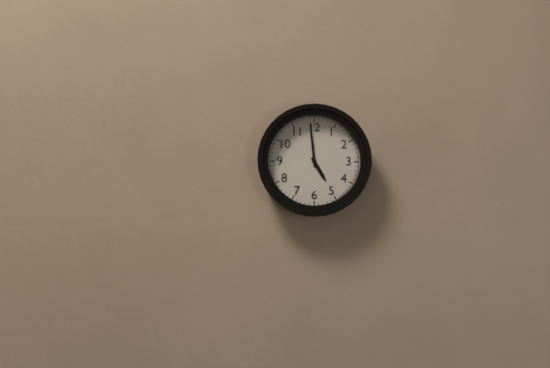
h=4 m=59
